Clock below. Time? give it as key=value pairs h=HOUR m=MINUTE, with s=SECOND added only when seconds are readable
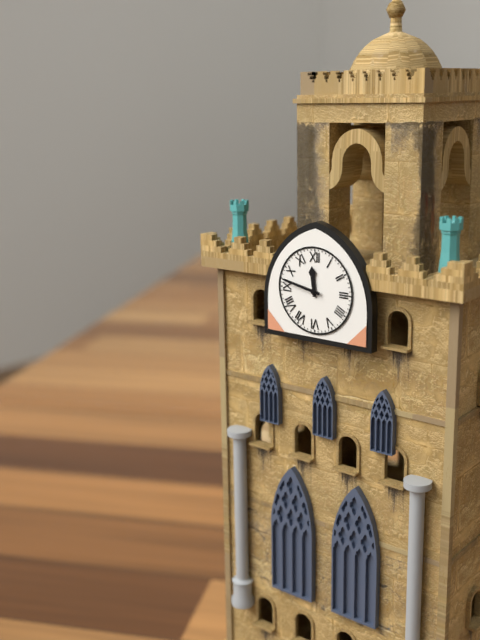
h=11 m=47
